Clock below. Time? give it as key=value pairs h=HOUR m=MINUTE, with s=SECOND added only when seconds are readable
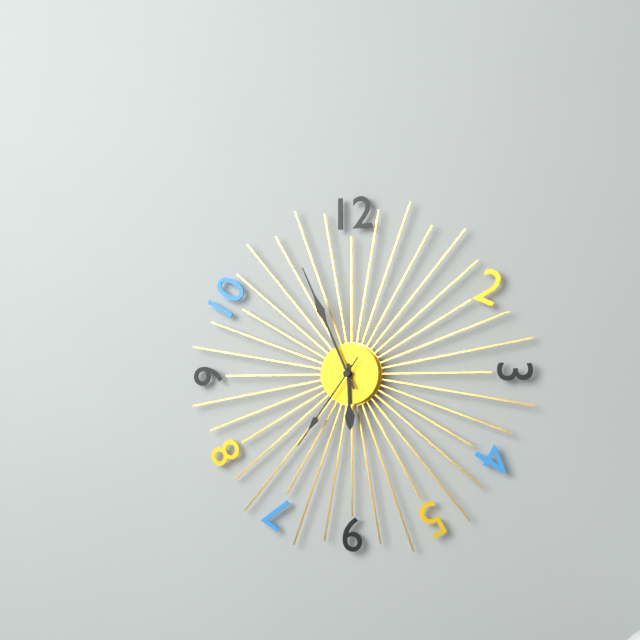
h=5 m=56 s=36
